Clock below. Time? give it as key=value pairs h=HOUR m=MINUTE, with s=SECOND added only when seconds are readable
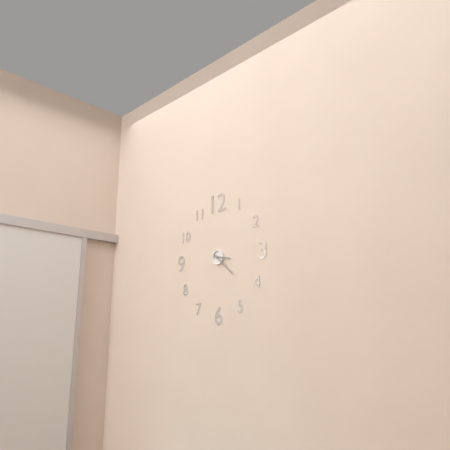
h=3 m=22
